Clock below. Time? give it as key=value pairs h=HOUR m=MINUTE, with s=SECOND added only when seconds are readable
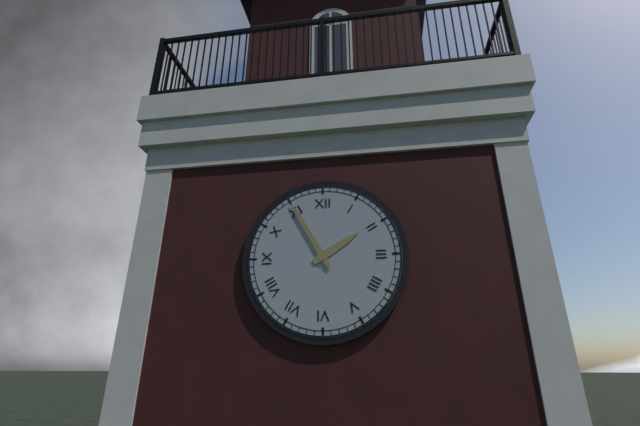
h=1 m=55
